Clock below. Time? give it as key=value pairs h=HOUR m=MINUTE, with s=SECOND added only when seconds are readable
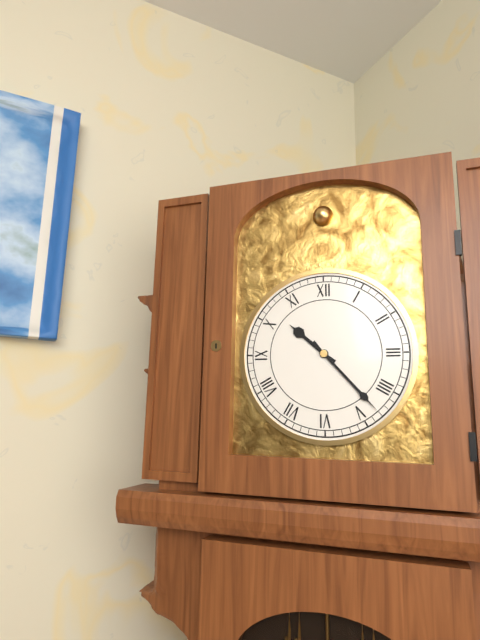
h=10 m=23
